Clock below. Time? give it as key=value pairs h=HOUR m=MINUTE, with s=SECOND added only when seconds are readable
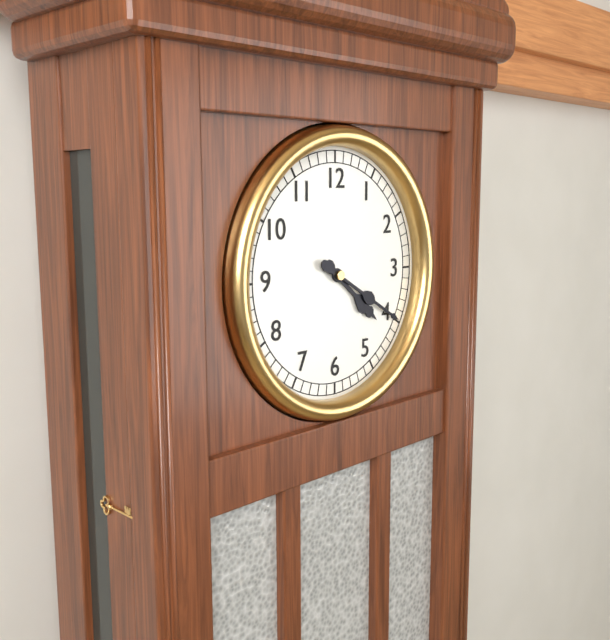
h=4 m=20
